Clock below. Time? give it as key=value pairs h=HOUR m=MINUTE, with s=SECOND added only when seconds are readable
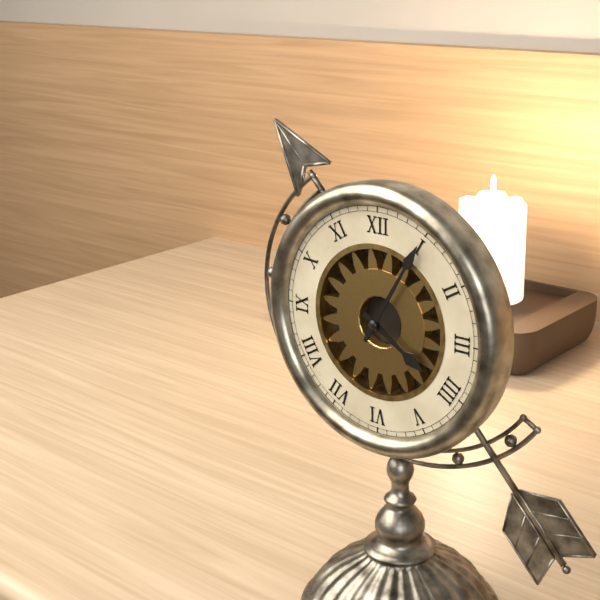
h=4 m=5
